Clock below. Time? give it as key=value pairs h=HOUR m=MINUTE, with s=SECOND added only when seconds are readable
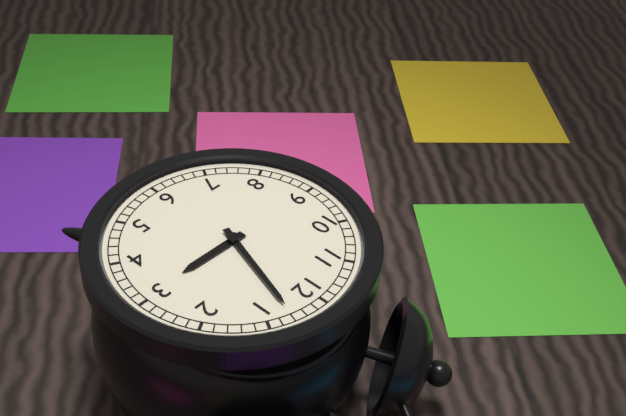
h=3 m=3
